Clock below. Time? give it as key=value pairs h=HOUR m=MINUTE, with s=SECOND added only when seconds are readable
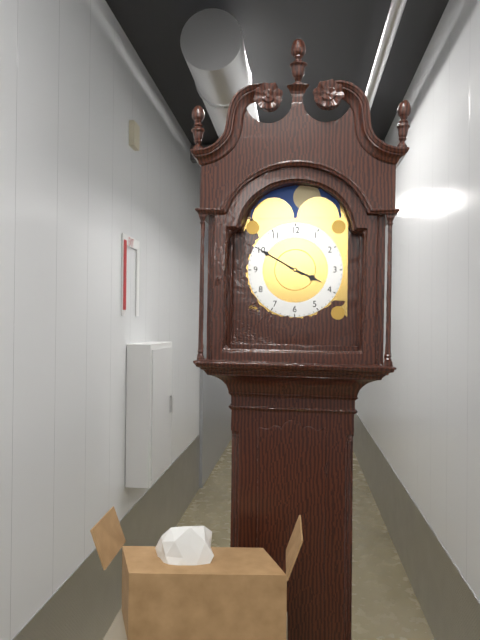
h=3 m=50
